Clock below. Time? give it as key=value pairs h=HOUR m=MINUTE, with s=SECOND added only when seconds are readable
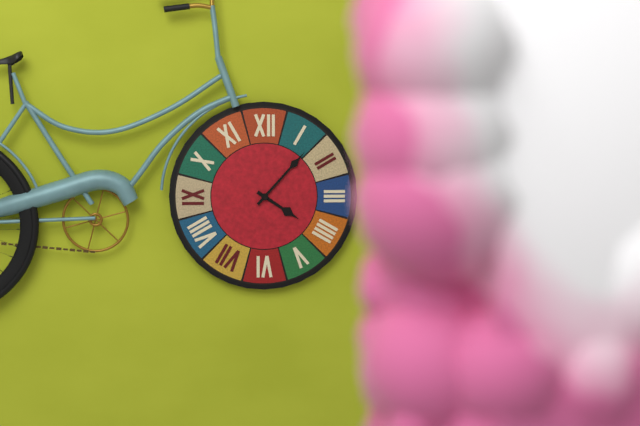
h=4 m=7
